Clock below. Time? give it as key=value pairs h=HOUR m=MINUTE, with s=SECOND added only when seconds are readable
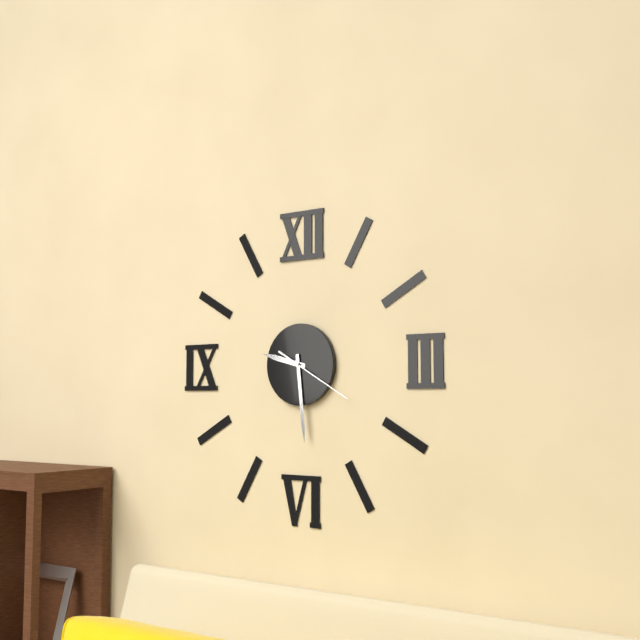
h=9 m=29 s=20
